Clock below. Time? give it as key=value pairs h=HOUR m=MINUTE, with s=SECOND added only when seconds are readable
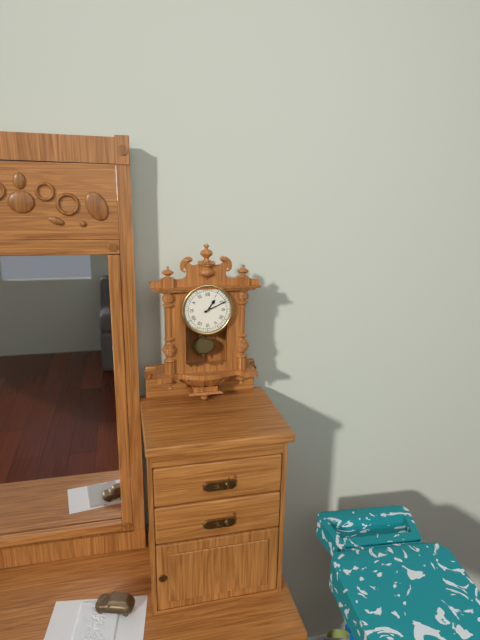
h=1 m=11
